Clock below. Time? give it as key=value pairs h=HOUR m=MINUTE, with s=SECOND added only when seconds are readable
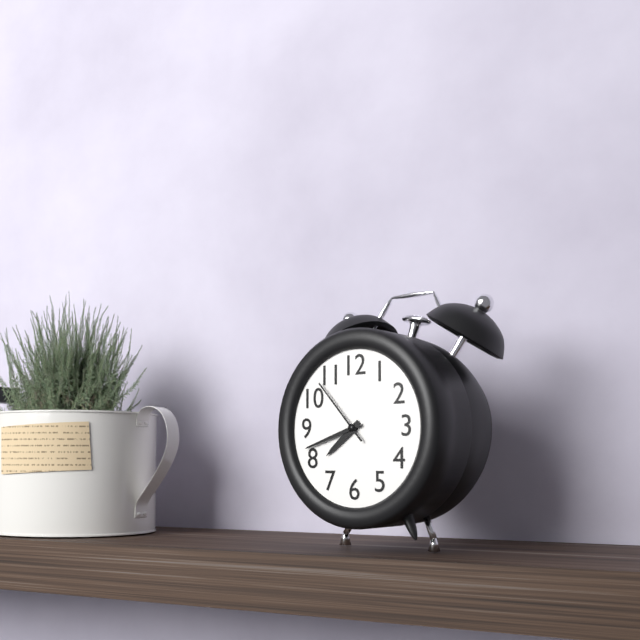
h=7 m=42 s=53
